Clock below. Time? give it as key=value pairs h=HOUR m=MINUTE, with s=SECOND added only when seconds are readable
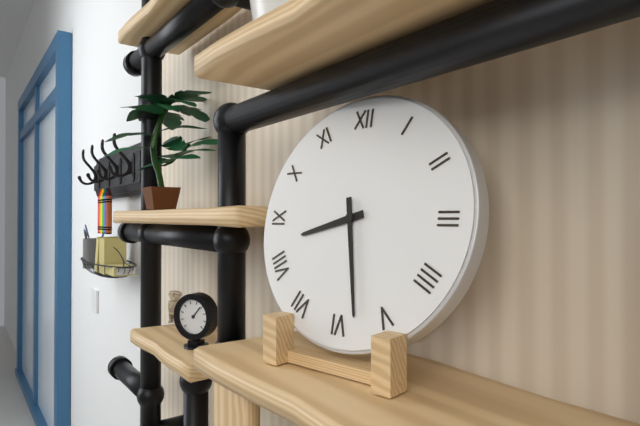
h=8 m=28
